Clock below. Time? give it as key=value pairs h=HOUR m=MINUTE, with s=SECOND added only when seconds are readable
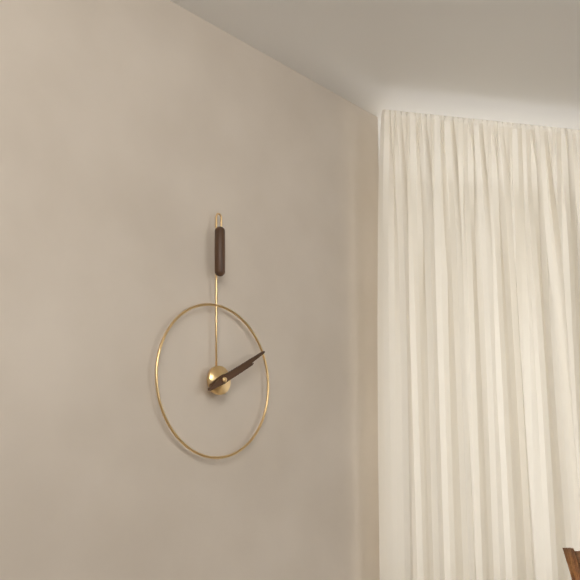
h=2 m=10
